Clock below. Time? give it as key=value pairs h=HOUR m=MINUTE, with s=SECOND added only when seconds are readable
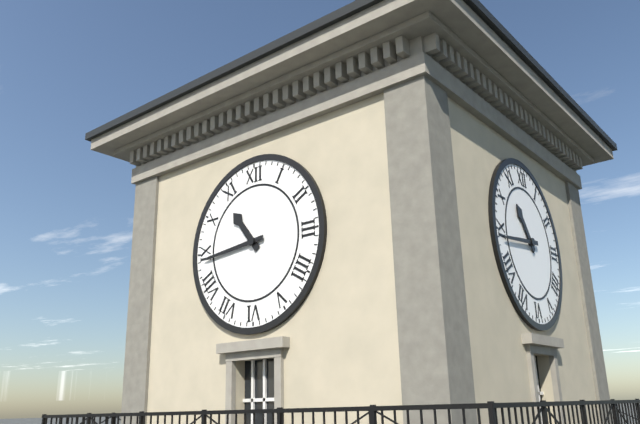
h=10 m=44
